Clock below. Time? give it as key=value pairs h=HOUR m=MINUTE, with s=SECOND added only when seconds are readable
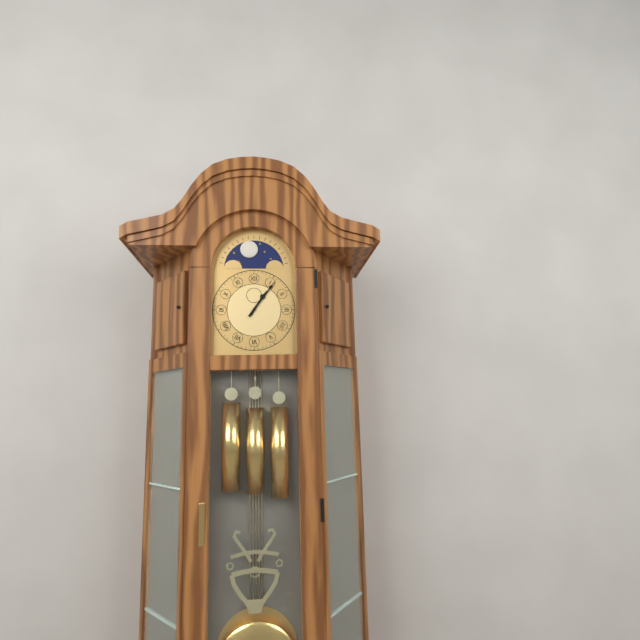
h=1 m=6
